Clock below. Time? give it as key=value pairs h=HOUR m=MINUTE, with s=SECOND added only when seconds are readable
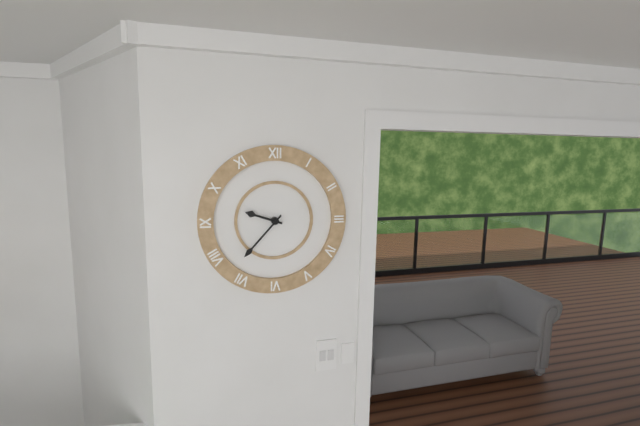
h=9 m=37
